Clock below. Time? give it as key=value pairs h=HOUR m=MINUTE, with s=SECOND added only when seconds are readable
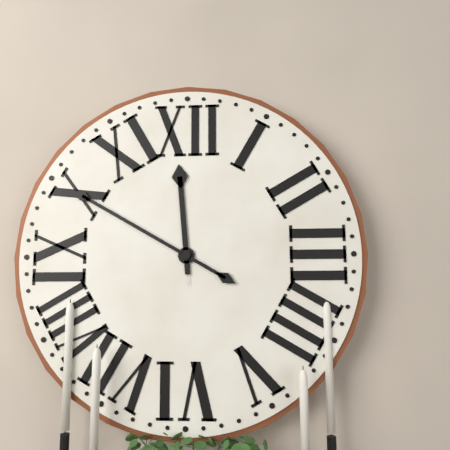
h=11 m=50
